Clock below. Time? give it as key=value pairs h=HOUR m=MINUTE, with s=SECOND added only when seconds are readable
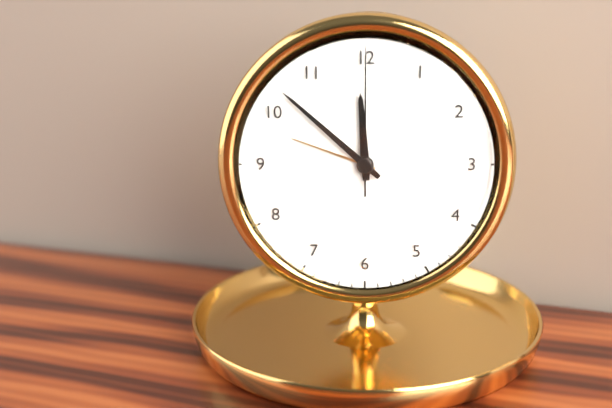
h=11 m=52 s=0
